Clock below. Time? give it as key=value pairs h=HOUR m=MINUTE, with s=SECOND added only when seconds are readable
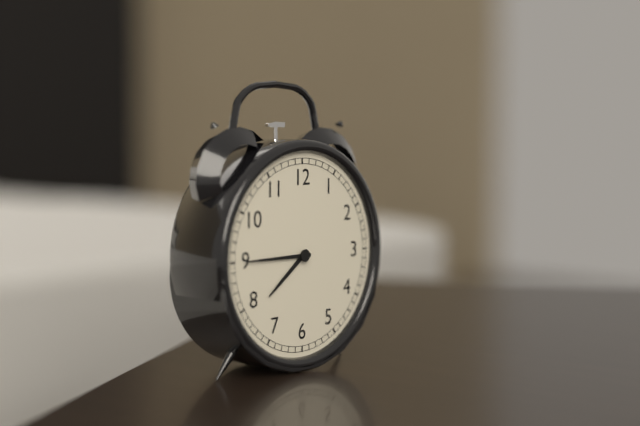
h=7 m=45
